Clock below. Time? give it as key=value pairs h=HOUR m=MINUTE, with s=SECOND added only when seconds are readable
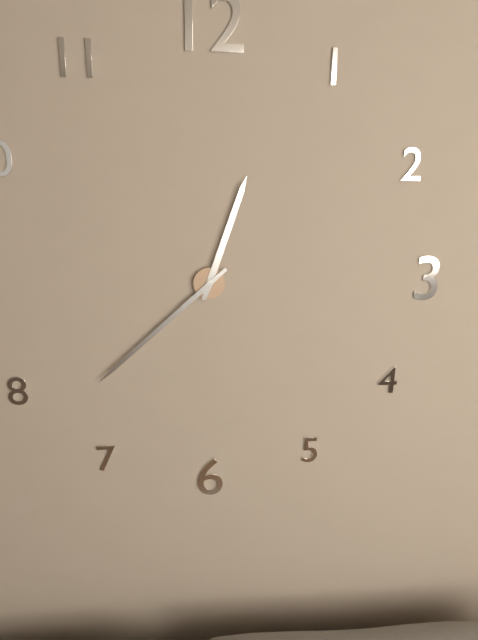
h=12 m=38
